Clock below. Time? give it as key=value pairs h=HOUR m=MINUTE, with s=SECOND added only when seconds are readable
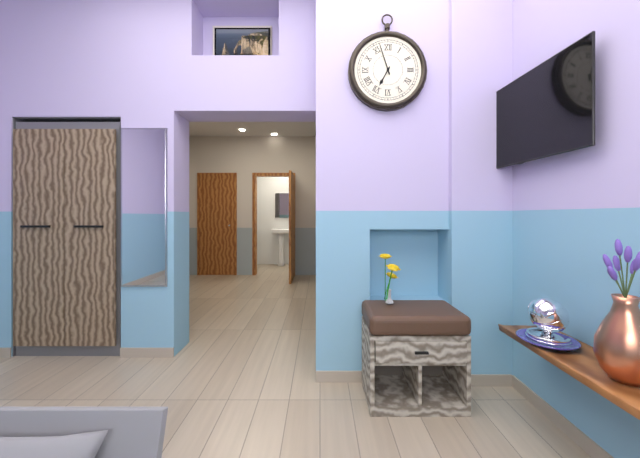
h=6 m=57
